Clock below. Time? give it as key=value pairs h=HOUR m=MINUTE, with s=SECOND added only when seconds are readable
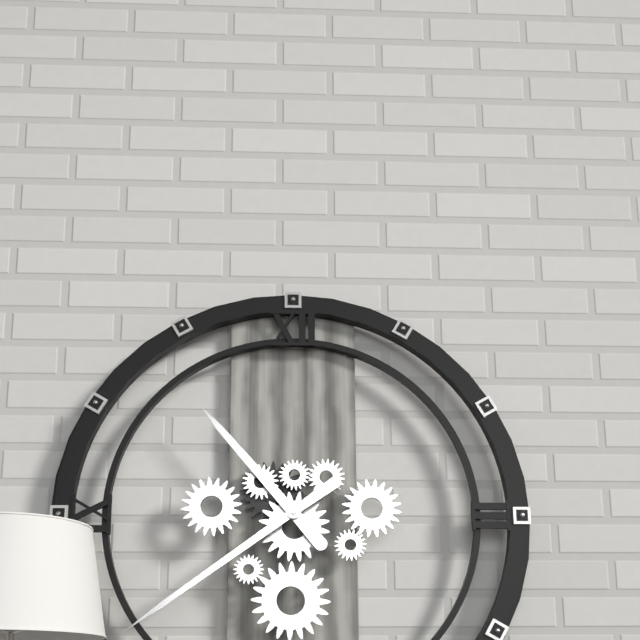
h=10 m=39
